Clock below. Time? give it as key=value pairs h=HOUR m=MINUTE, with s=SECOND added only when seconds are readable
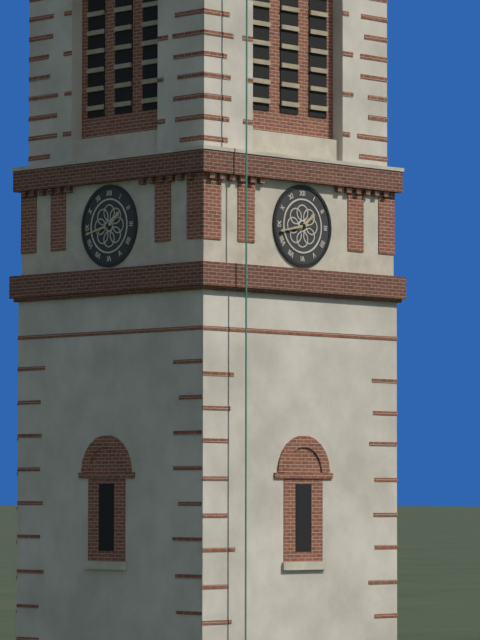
h=1 m=43
